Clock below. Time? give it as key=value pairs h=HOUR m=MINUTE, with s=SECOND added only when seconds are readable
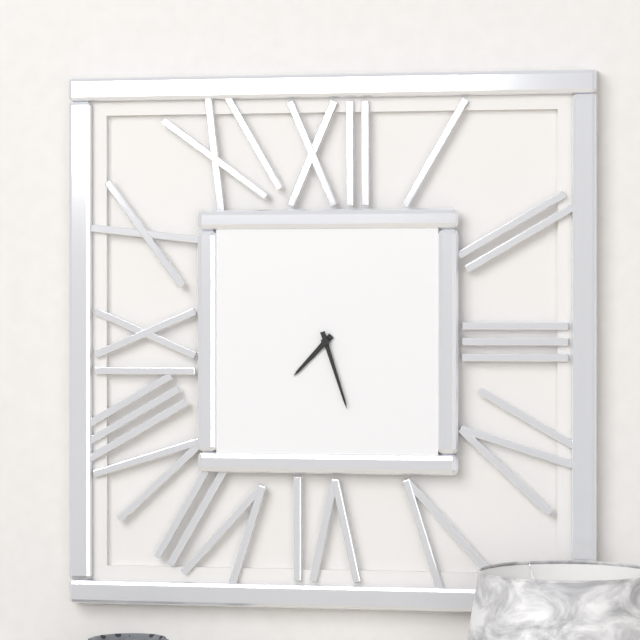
h=7 m=27
